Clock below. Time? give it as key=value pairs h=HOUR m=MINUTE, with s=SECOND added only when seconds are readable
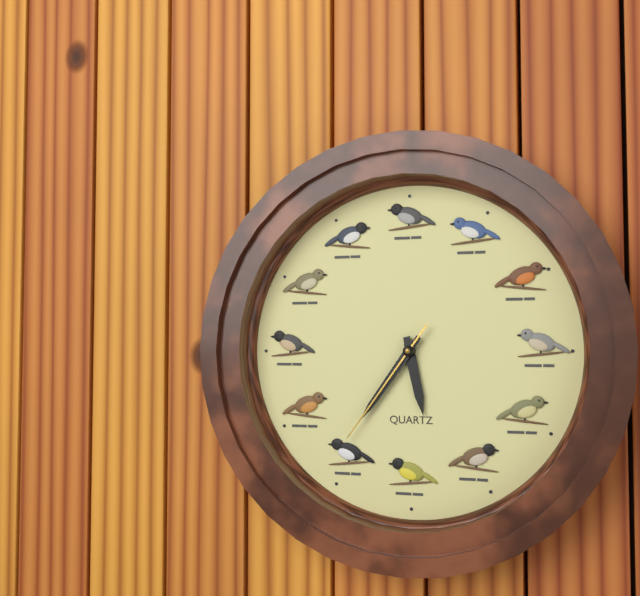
h=5 m=36 s=36
